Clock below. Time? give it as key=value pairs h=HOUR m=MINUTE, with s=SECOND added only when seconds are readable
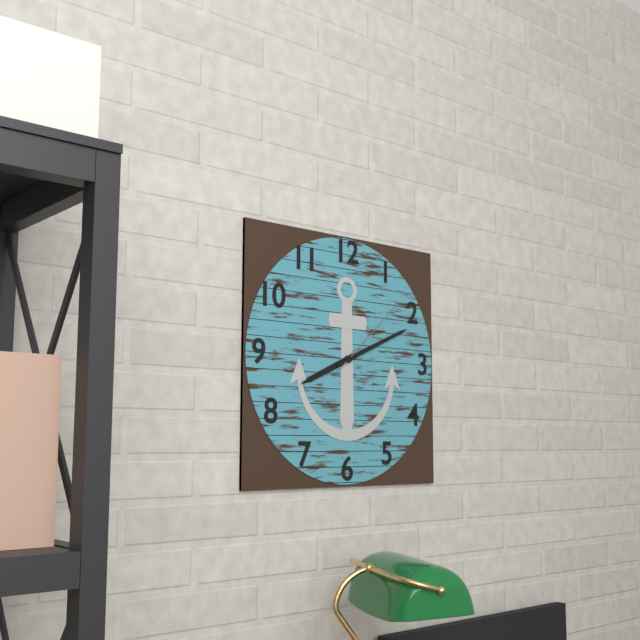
h=8 m=11 s=8
